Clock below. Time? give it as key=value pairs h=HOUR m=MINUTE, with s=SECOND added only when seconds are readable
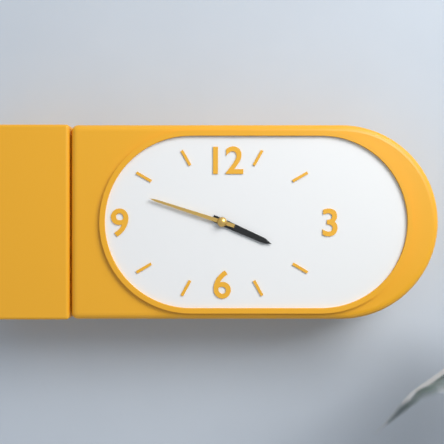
h=3 m=48
